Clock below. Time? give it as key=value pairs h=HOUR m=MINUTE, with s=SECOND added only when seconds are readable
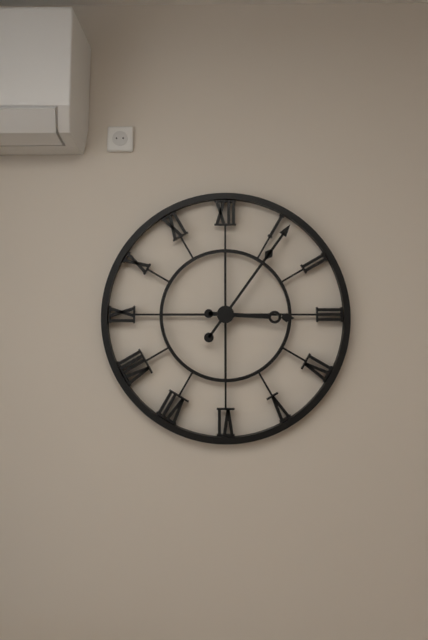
h=3 m=6
